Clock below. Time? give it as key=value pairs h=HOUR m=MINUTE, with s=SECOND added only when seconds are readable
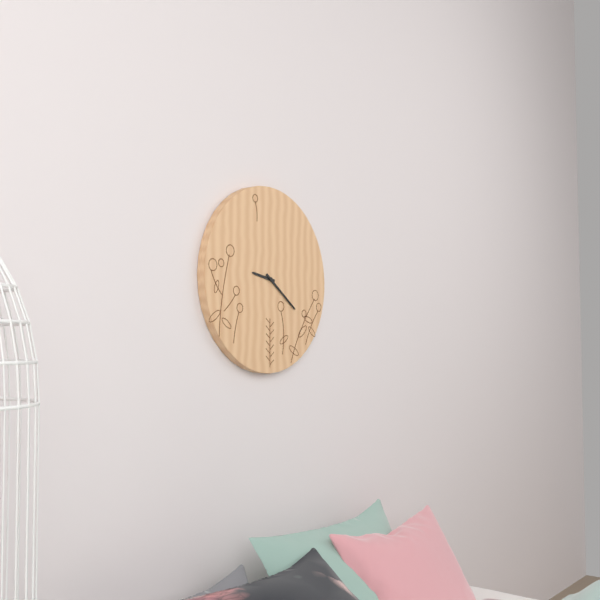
h=9 m=21
